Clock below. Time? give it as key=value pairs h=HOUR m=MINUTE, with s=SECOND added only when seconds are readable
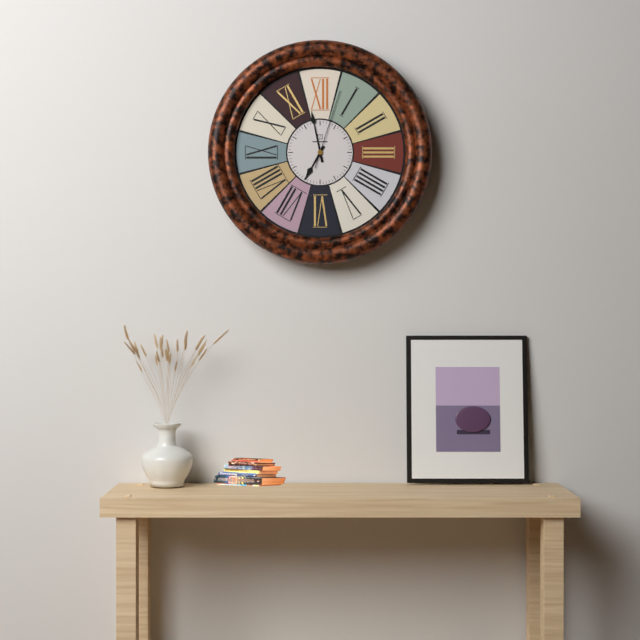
h=6 m=58 s=3
